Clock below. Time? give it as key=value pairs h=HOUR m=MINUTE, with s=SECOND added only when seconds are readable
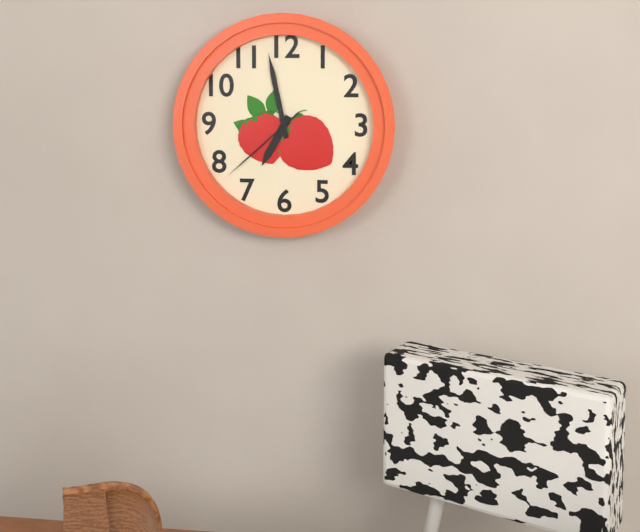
h=6 m=58 s=38
